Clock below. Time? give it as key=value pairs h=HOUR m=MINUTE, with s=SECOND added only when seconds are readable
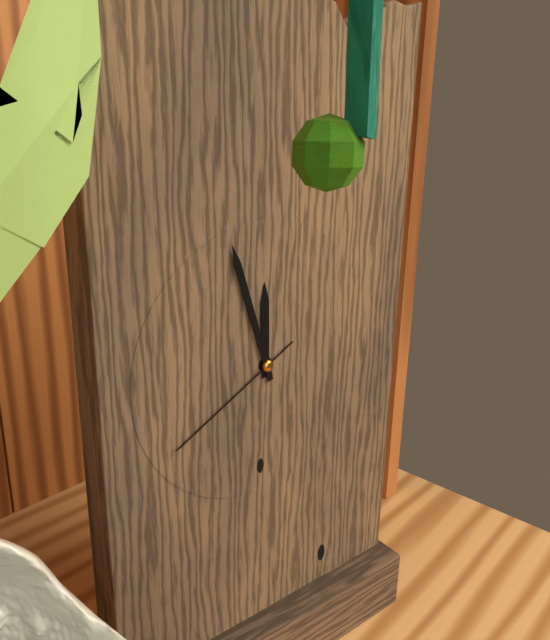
h=11 m=57 s=40
